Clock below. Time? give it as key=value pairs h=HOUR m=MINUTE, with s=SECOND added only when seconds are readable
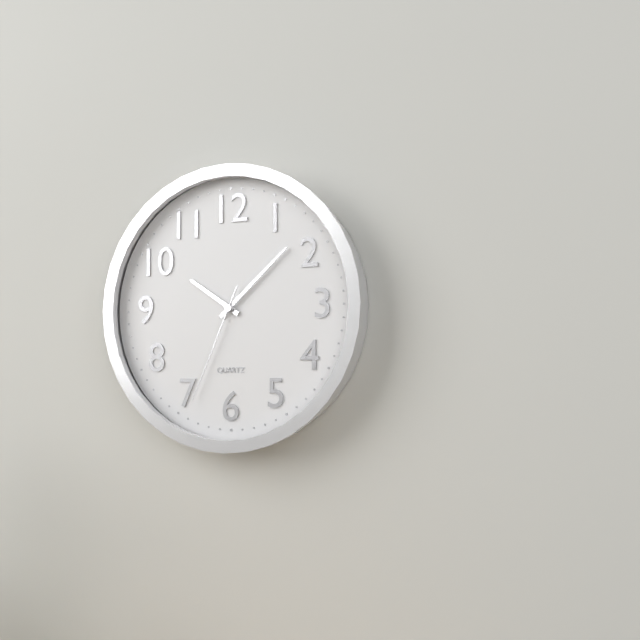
h=10 m=8 s=34
